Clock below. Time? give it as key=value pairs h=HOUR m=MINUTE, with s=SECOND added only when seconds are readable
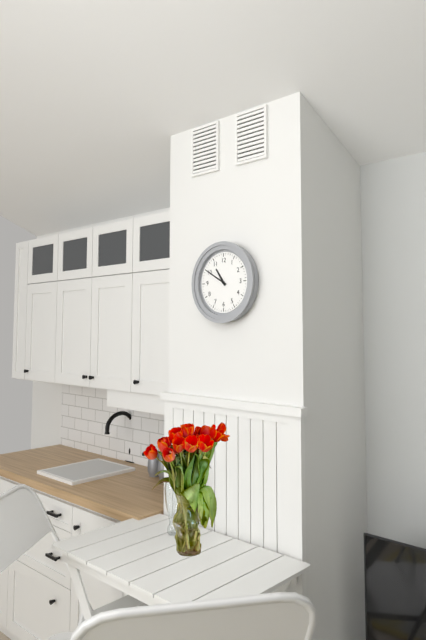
h=10 m=50
